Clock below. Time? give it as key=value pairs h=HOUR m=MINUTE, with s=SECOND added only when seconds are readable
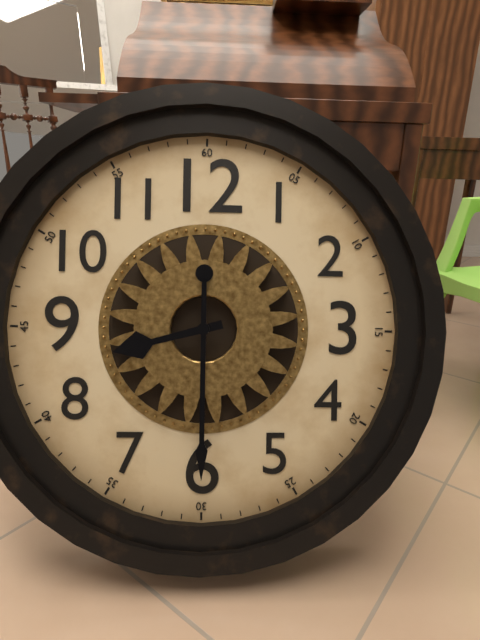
h=8 m=30
